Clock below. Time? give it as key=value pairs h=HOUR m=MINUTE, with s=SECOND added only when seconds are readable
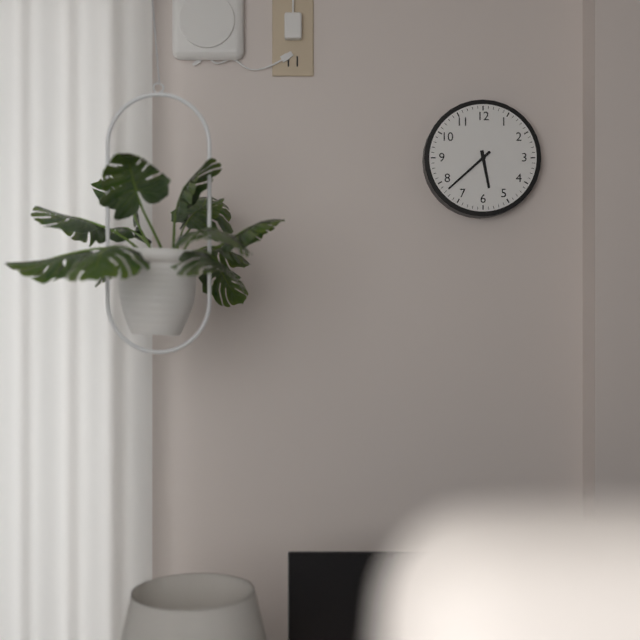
h=5 m=38
